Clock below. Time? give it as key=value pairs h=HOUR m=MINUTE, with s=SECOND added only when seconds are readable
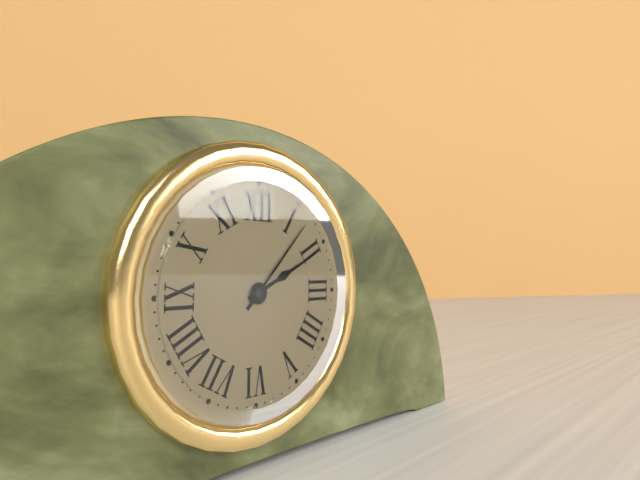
h=2 m=7
